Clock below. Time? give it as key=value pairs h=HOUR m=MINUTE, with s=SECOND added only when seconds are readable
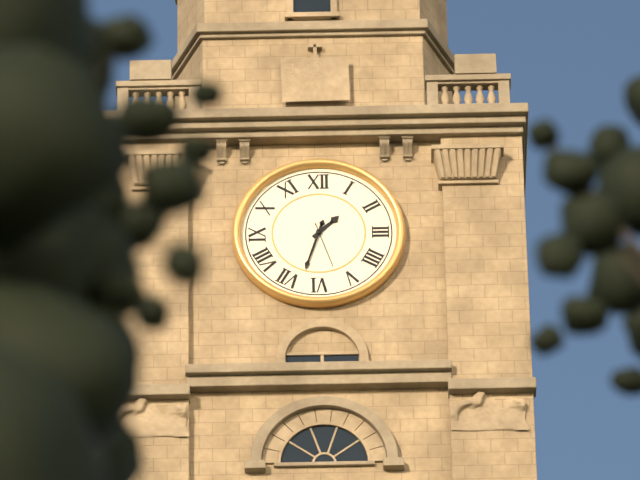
h=1 m=33
